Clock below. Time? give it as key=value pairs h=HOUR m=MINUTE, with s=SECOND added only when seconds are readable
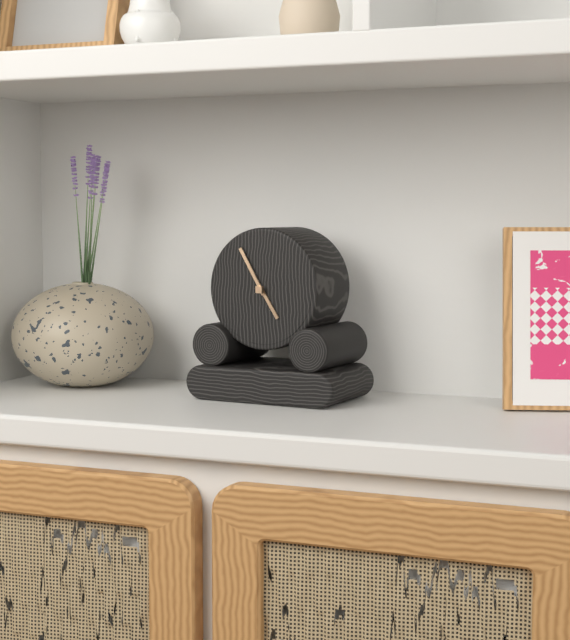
h=4 m=55
